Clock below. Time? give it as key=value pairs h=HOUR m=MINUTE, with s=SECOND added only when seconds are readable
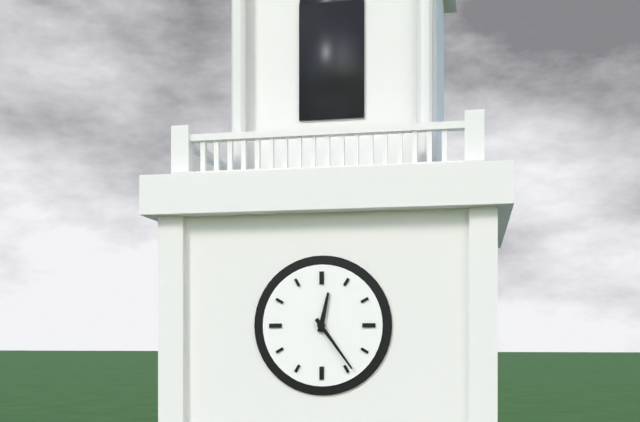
h=12 m=24
